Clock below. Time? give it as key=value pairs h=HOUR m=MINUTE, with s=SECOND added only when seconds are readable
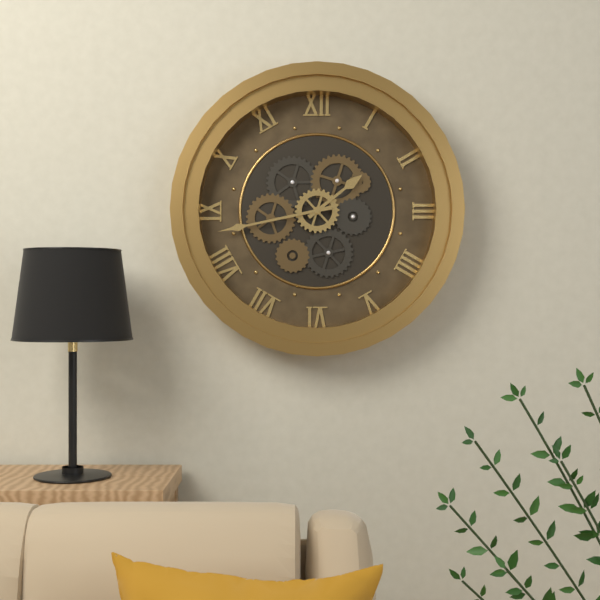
h=1 m=43
